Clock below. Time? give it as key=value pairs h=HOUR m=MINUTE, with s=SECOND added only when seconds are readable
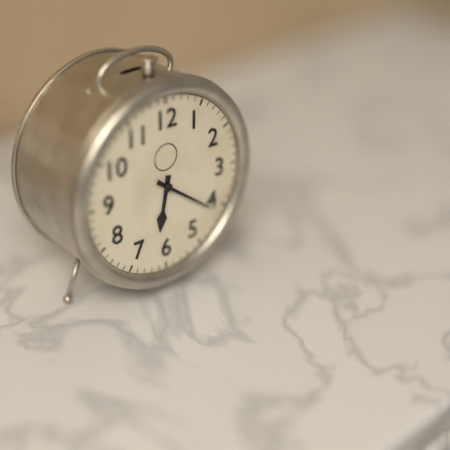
h=6 m=21
